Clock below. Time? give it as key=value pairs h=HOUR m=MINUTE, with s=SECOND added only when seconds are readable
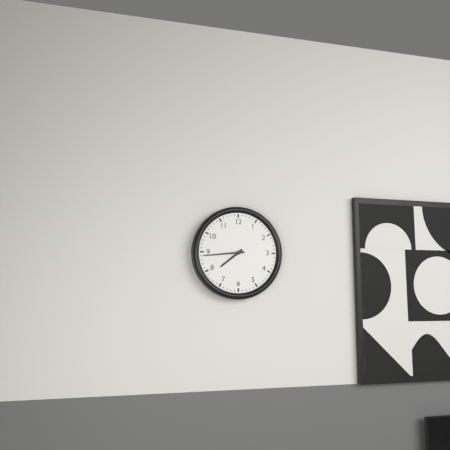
h=7 m=44
